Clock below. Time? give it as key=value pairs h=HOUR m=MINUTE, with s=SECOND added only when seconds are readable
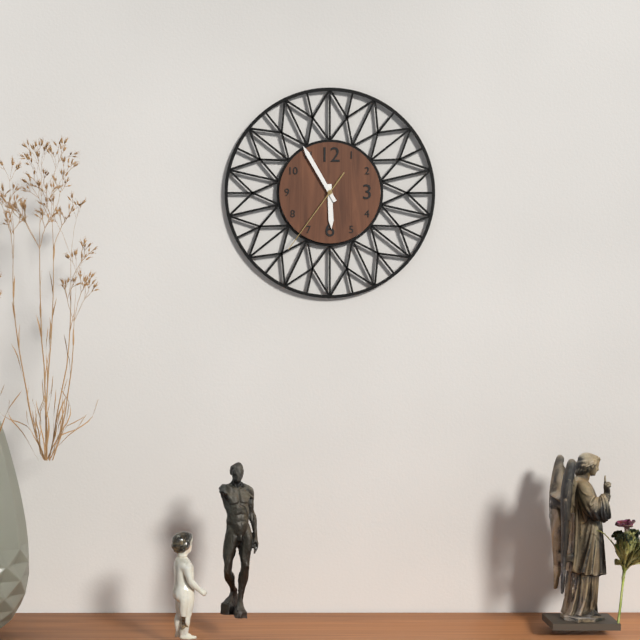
h=5 m=55 s=36
